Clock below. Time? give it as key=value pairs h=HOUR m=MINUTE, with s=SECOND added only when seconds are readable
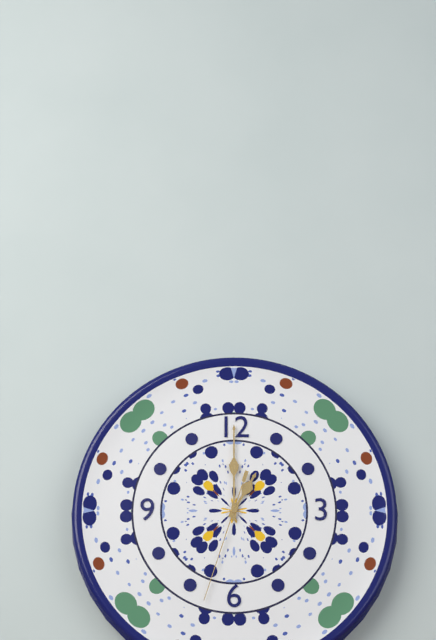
h=1 m=0 s=33
